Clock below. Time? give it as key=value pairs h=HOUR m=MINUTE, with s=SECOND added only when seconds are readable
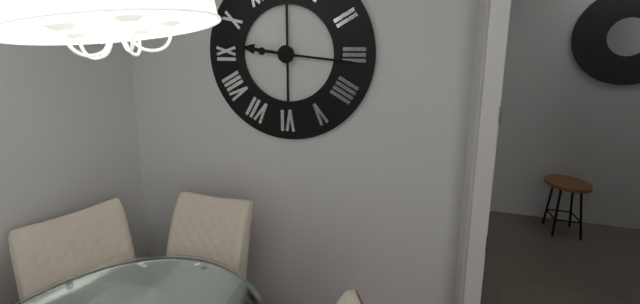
h=9 m=16
